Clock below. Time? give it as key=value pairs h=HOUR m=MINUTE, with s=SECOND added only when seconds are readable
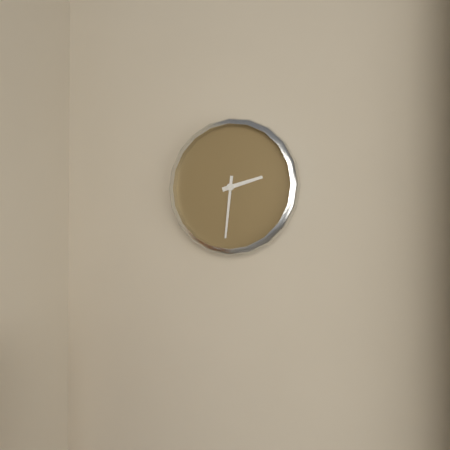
h=2 m=31
